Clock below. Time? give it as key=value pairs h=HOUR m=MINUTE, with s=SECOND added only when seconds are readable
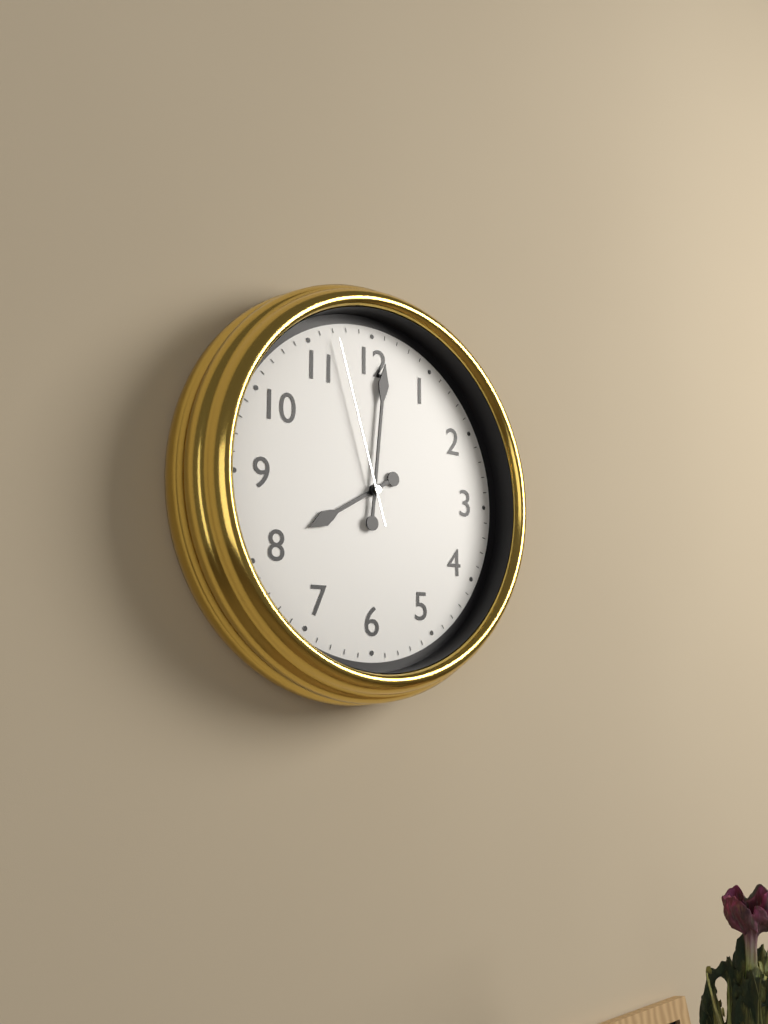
h=8 m=1 s=57
